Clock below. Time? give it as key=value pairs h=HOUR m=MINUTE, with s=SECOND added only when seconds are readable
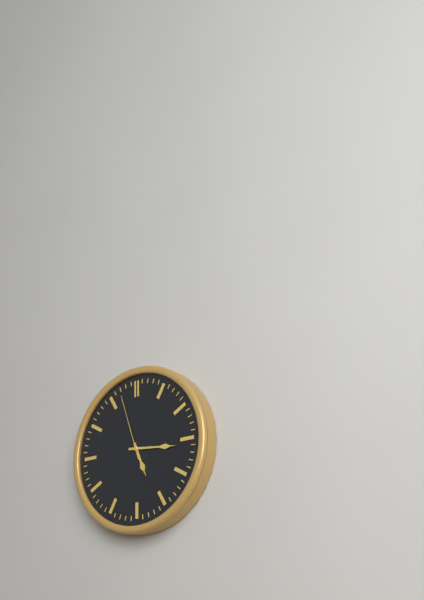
h=5 m=16 s=57
